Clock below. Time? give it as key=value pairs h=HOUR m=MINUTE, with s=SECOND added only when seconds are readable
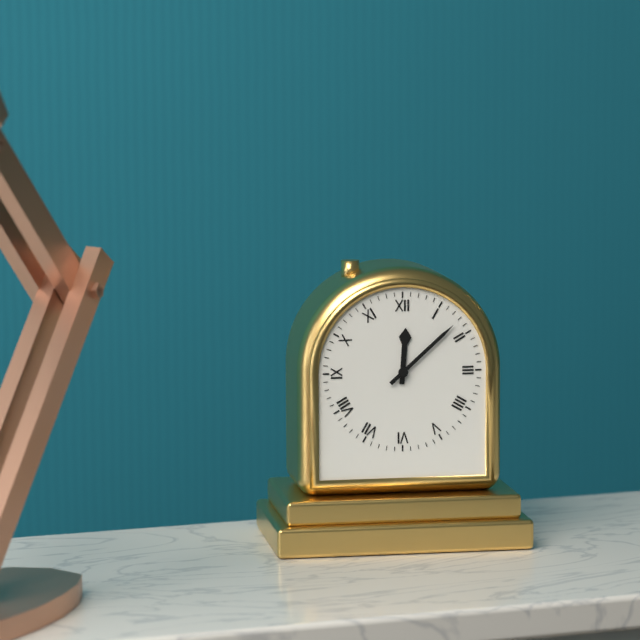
h=12 m=8
